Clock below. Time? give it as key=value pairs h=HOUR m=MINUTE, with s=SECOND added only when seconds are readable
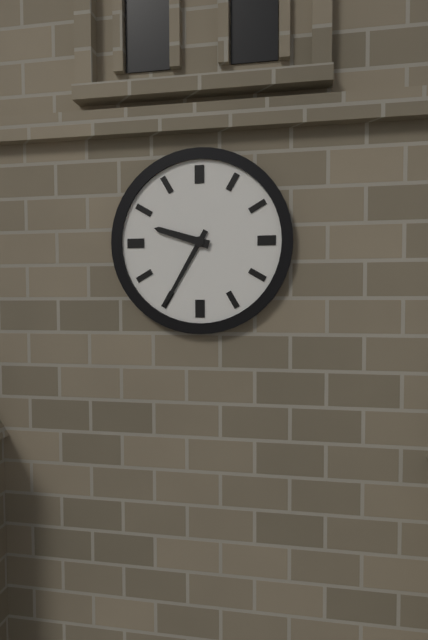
h=9 m=35
